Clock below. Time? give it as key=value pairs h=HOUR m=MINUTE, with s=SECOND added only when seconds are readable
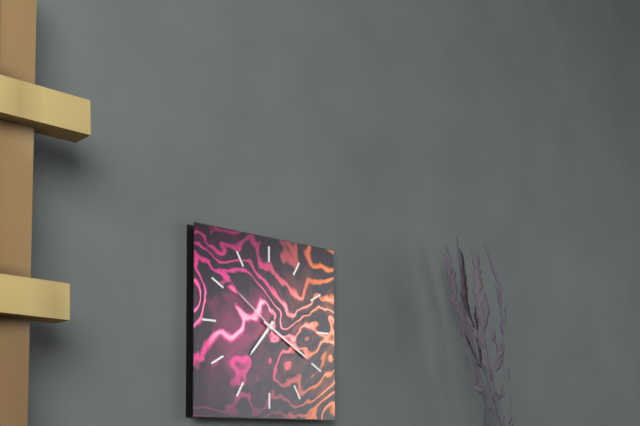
h=7 m=20 s=51
